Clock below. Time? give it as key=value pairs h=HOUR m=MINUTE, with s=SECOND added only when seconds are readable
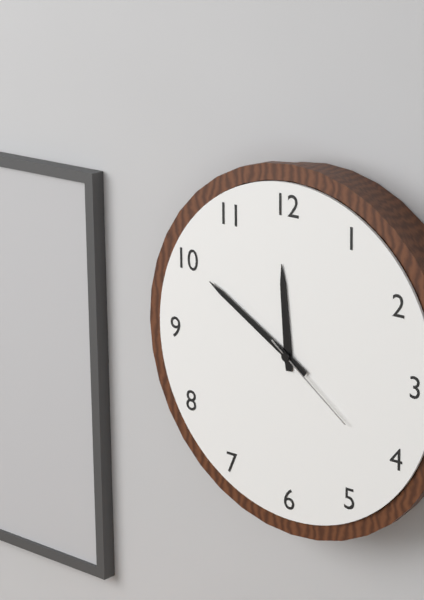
h=11 m=50 s=21
